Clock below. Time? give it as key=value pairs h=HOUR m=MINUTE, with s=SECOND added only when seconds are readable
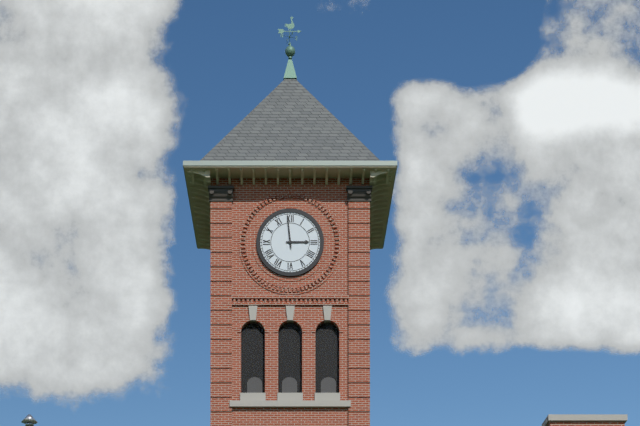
h=2 m=59
